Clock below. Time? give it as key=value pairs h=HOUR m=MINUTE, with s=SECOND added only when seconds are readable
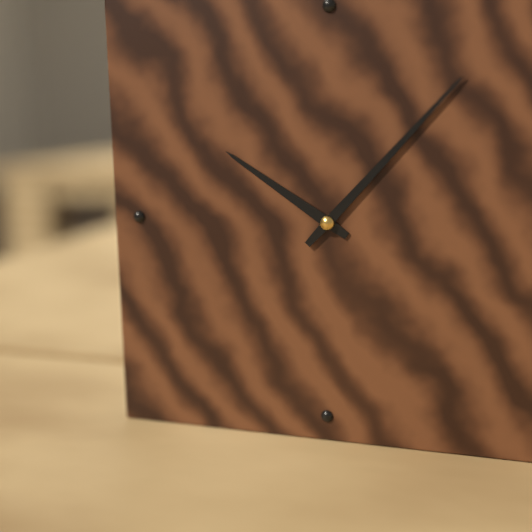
h=10 m=7
